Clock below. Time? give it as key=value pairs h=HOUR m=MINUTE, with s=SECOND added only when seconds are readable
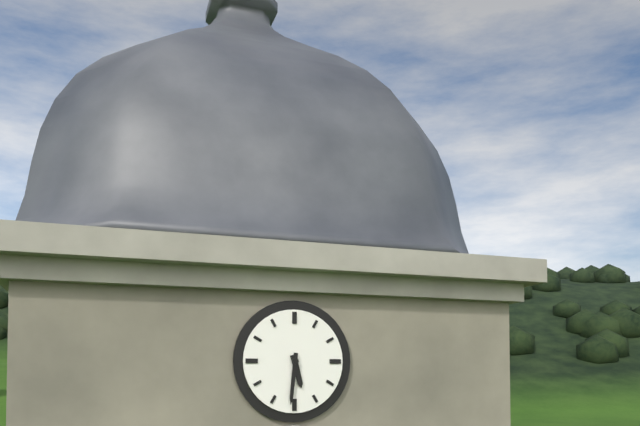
h=5 m=31
